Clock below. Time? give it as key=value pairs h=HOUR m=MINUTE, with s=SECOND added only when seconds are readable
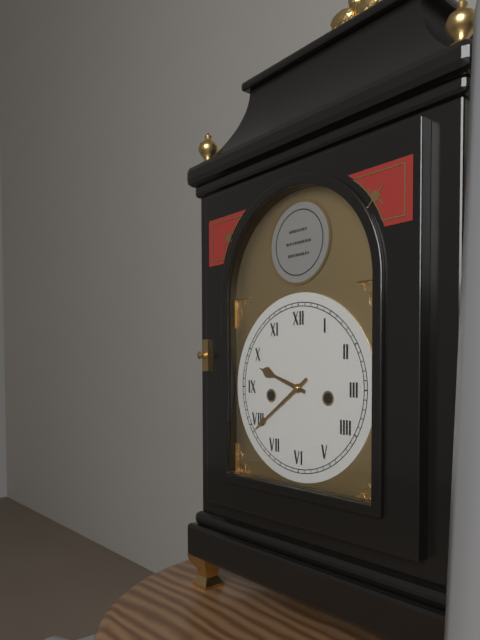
h=9 m=39
